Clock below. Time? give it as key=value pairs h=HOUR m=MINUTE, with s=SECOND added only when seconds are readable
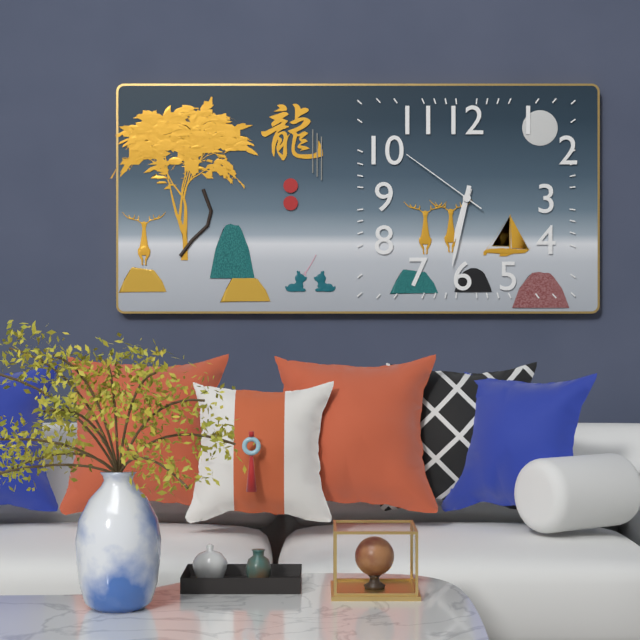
h=6 m=32 s=51
